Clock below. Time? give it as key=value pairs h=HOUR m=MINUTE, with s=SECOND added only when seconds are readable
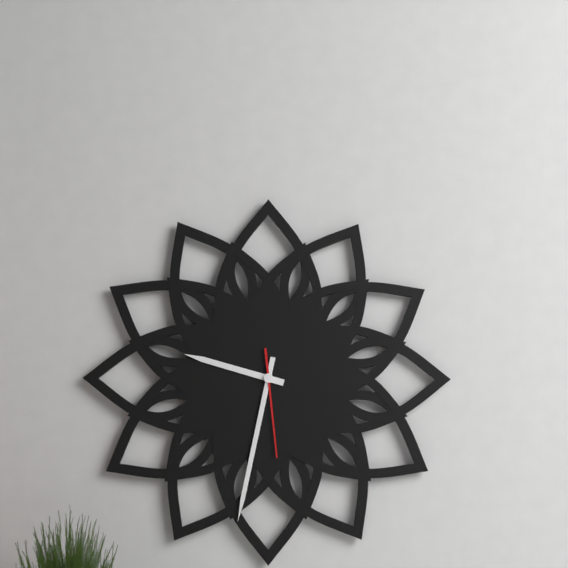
h=9 m=32 s=29
